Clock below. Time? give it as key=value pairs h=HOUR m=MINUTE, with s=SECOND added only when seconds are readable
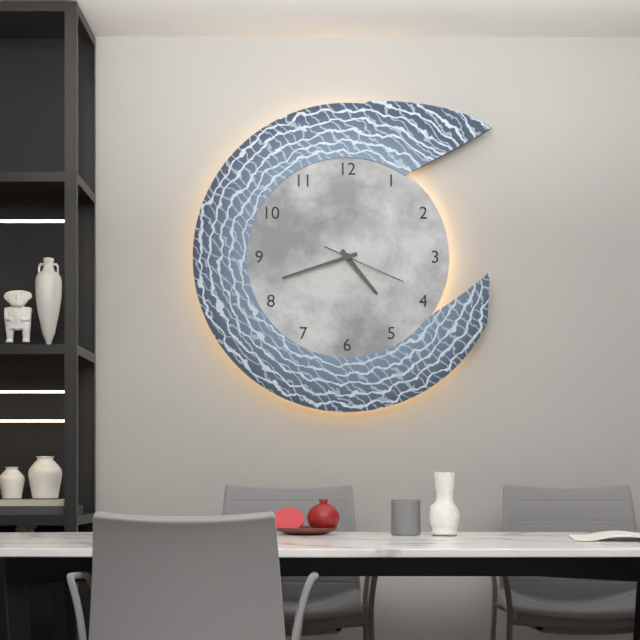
h=4 m=42 s=19
